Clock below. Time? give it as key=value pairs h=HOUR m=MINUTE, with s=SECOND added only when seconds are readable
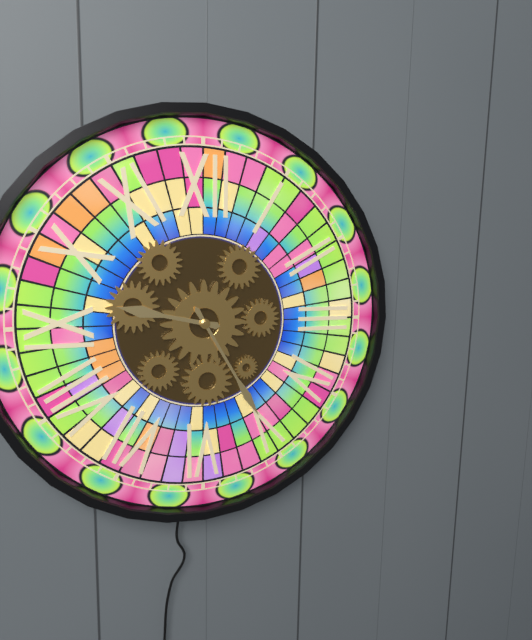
h=9 m=25
